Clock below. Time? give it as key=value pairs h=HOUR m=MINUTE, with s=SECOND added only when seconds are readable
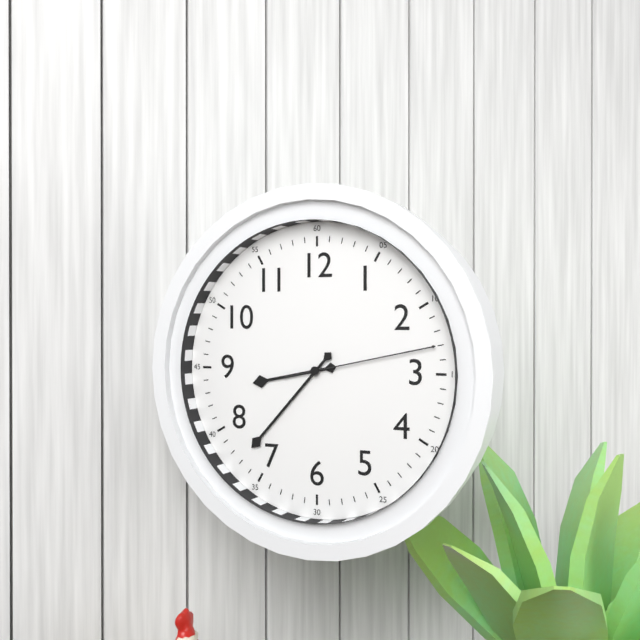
h=8 m=37 s=13
